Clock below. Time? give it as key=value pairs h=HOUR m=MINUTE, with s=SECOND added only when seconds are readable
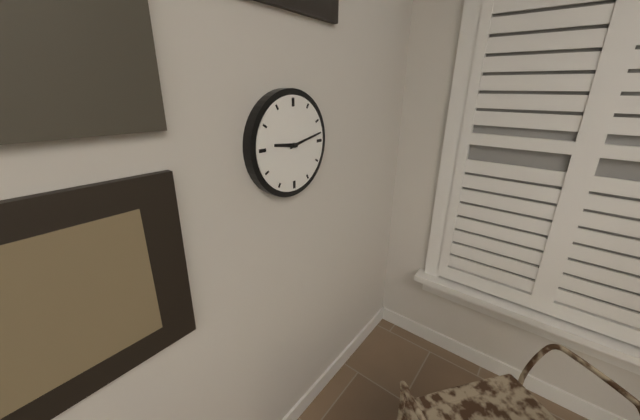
h=9 m=13
